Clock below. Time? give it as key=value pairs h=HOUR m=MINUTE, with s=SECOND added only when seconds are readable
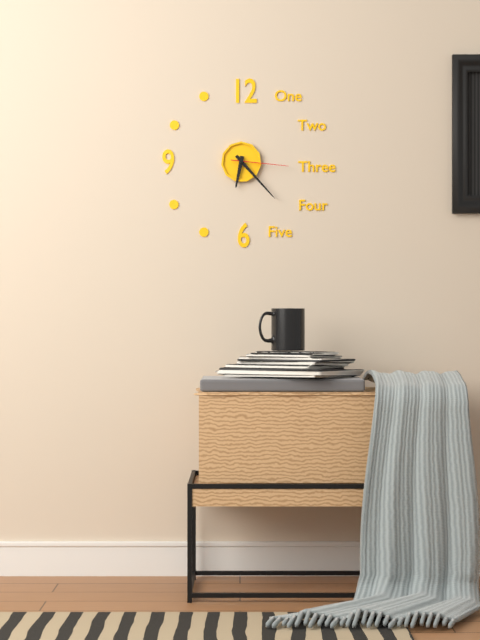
h=6 m=23 s=16
